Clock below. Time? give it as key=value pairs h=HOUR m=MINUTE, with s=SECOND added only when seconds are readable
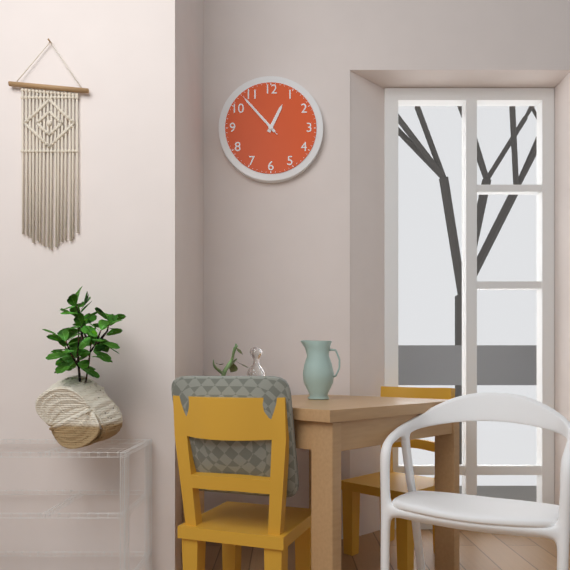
h=12 m=53 s=53
